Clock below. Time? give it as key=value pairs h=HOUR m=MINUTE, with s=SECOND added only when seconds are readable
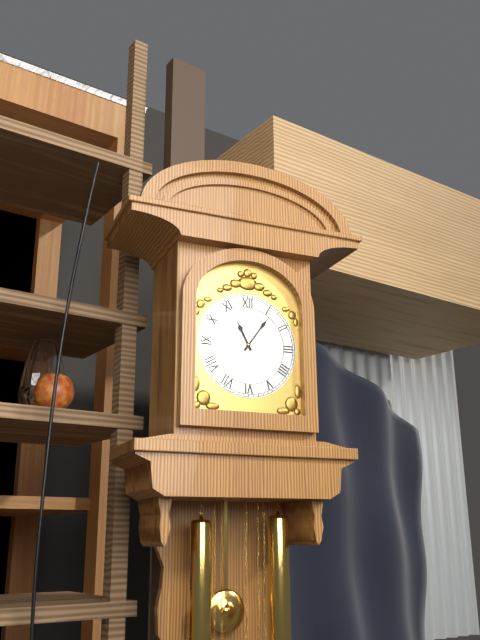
h=11 m=6
